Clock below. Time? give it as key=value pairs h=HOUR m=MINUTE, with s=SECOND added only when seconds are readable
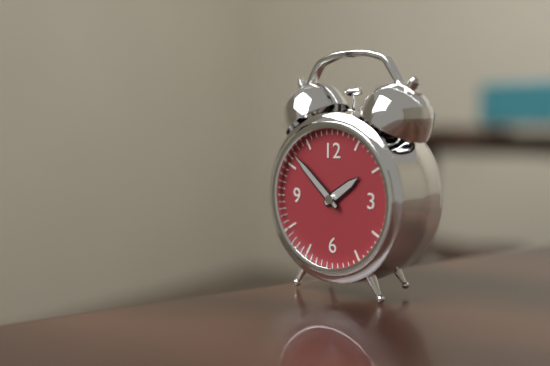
h=1 m=52
